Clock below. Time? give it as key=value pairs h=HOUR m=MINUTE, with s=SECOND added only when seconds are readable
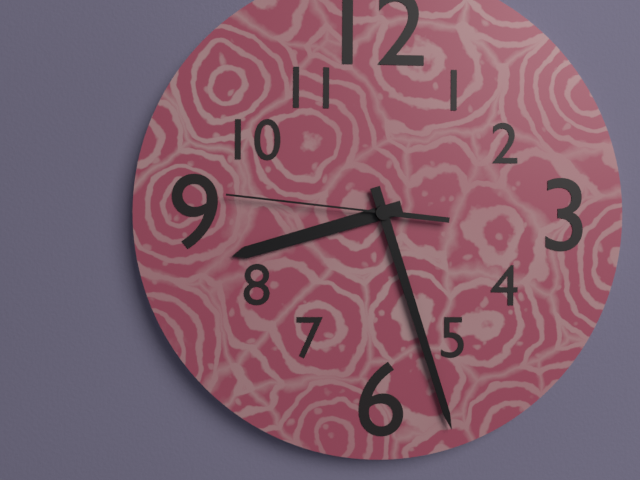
h=8 m=27 s=46
